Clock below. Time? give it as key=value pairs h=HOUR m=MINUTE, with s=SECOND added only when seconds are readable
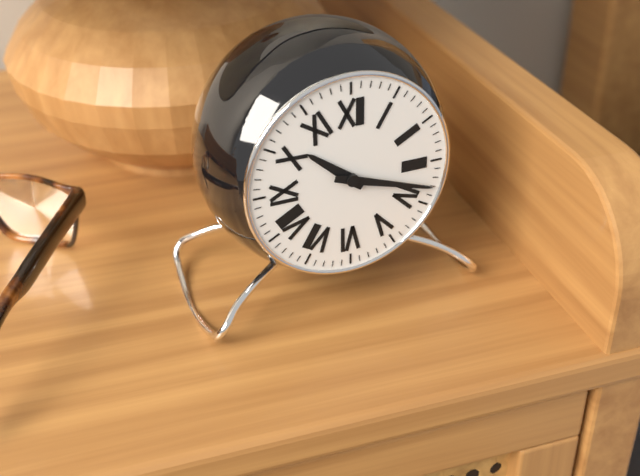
h=10 m=18
